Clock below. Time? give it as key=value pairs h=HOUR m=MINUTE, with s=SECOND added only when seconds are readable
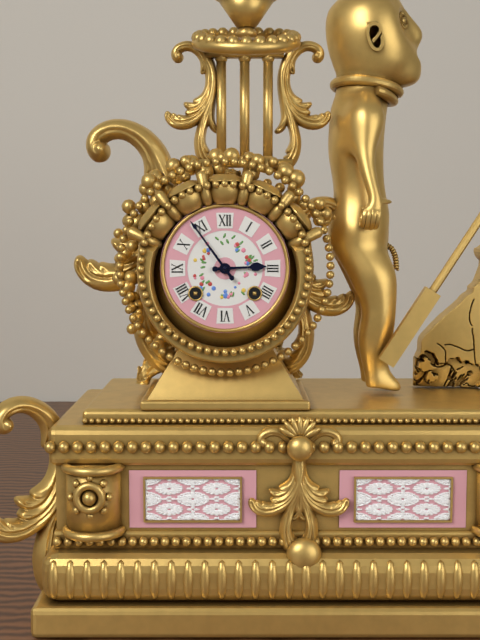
h=2 m=54
